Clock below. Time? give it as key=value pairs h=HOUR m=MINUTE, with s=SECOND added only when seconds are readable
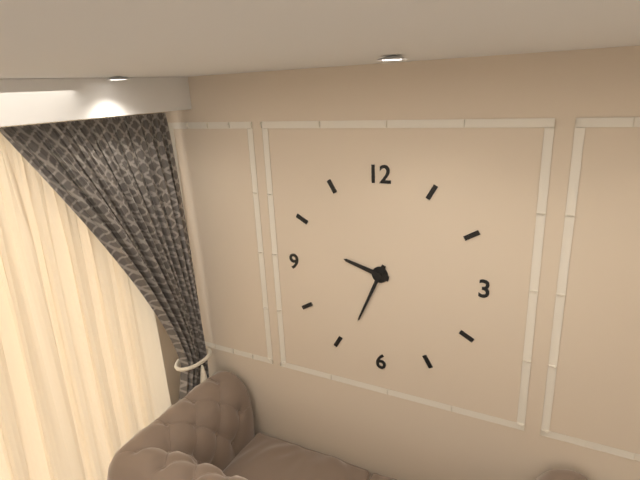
h=9 m=34
